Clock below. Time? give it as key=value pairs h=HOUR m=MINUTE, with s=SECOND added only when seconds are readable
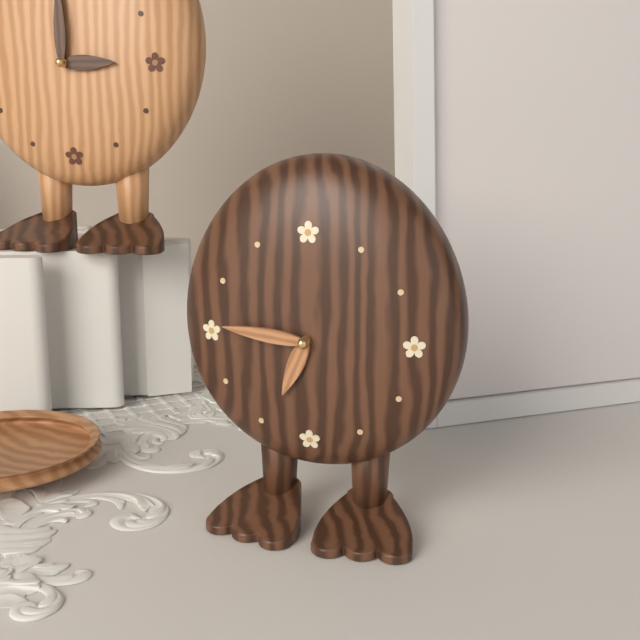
h=6 m=46
